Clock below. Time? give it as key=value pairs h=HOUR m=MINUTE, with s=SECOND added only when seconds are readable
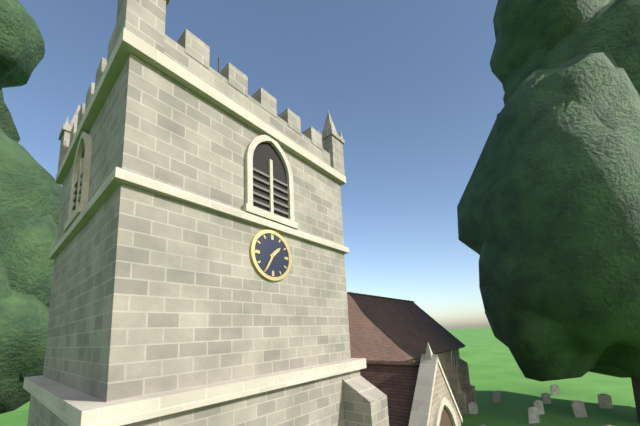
h=1 m=35
